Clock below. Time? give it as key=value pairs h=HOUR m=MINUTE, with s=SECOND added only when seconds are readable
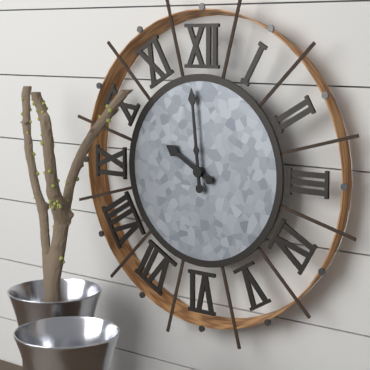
h=9 m=59
